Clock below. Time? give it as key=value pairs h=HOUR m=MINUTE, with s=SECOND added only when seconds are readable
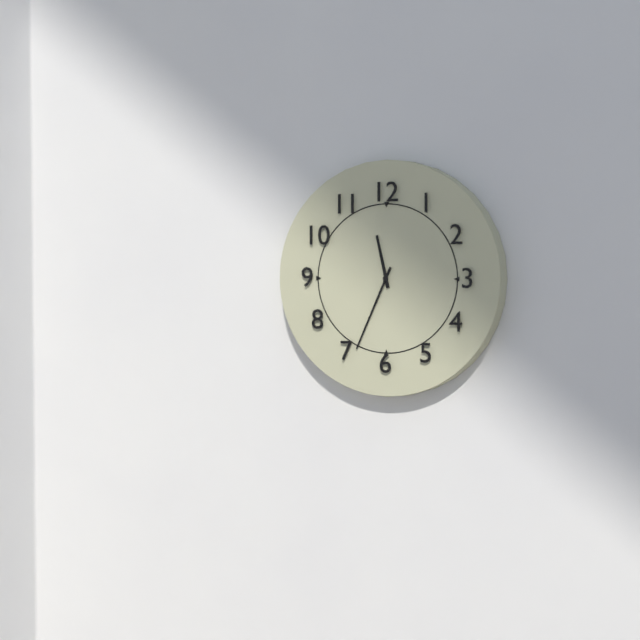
h=11 m=34
